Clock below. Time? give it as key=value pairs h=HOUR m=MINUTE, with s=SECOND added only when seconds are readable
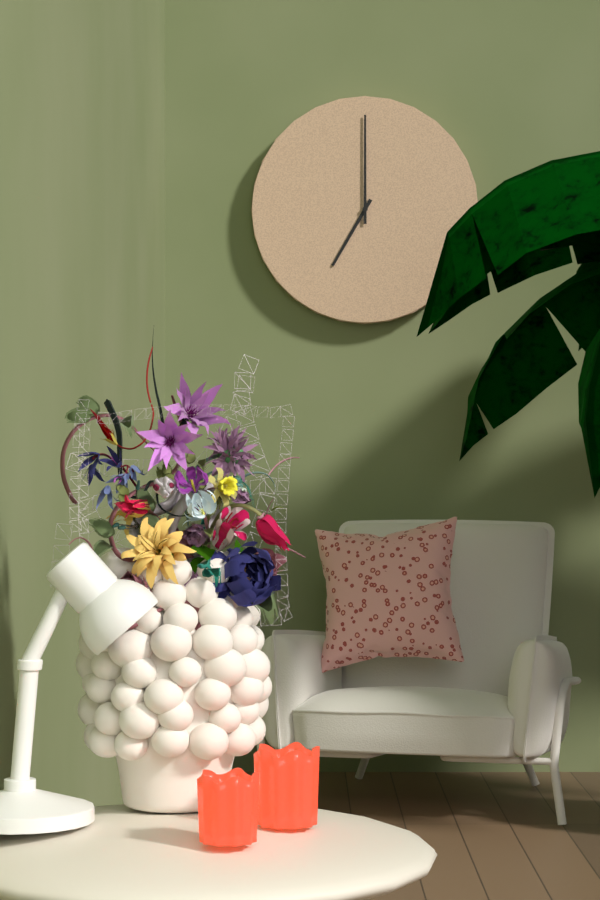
h=7 m=0
